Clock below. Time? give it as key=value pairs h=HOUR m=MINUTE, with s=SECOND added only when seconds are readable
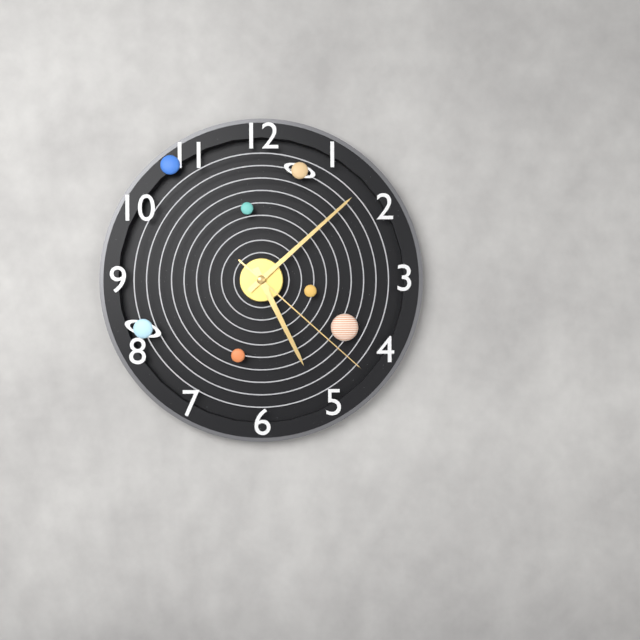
h=5 m=8 s=22
